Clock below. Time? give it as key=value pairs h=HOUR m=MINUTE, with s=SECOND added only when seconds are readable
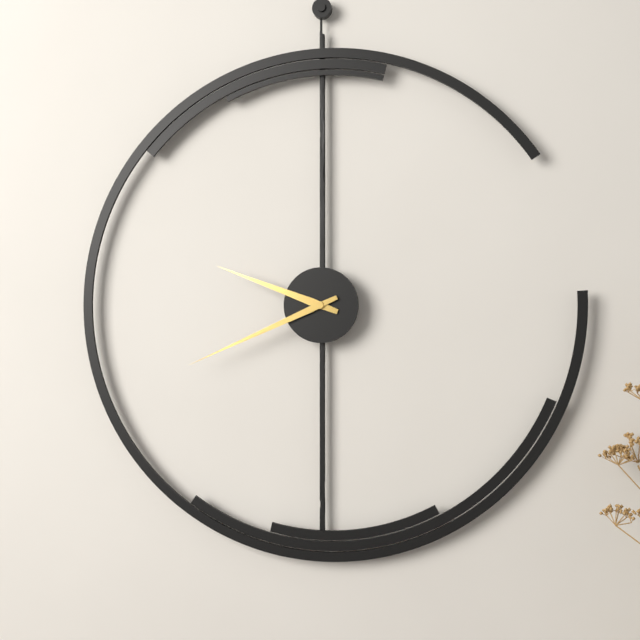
h=9 m=41
